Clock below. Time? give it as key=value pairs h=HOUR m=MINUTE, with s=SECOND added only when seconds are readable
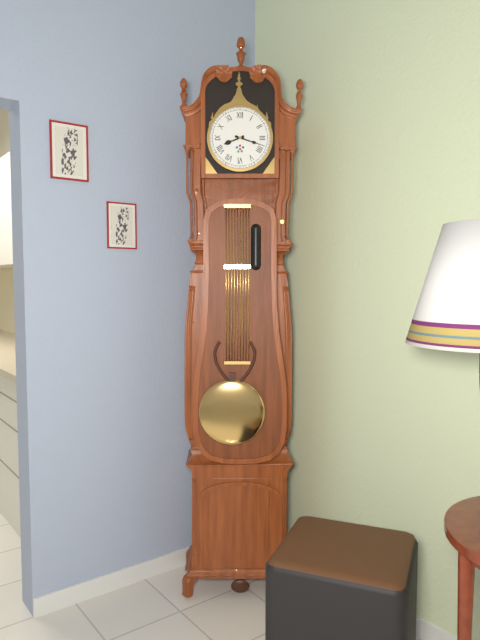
h=8 m=18
